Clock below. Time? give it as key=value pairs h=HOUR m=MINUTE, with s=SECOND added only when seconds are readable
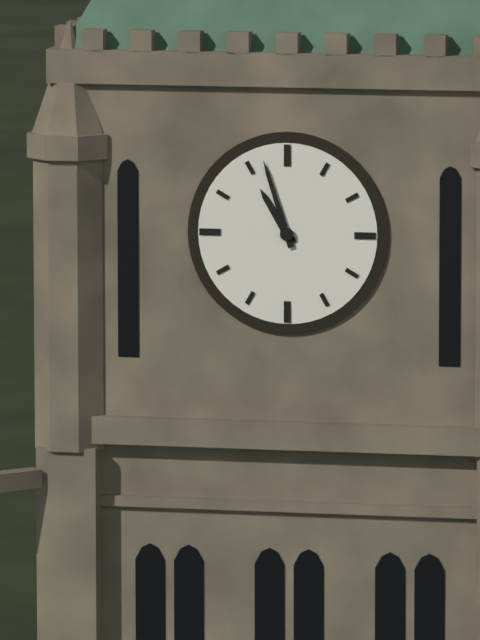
h=10 m=57
